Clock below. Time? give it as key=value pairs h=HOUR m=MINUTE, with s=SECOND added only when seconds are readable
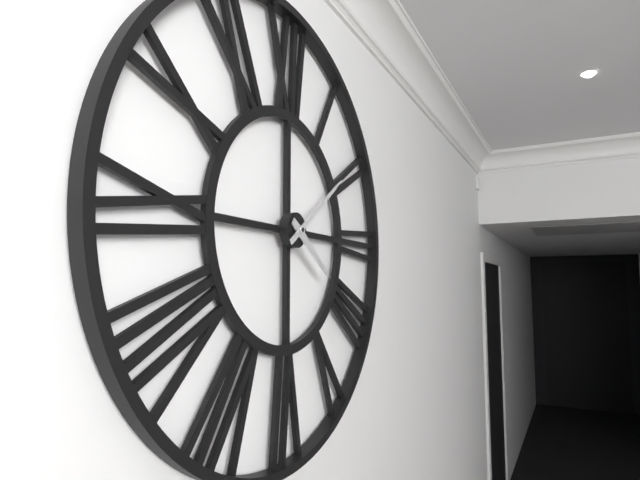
h=4 m=9
